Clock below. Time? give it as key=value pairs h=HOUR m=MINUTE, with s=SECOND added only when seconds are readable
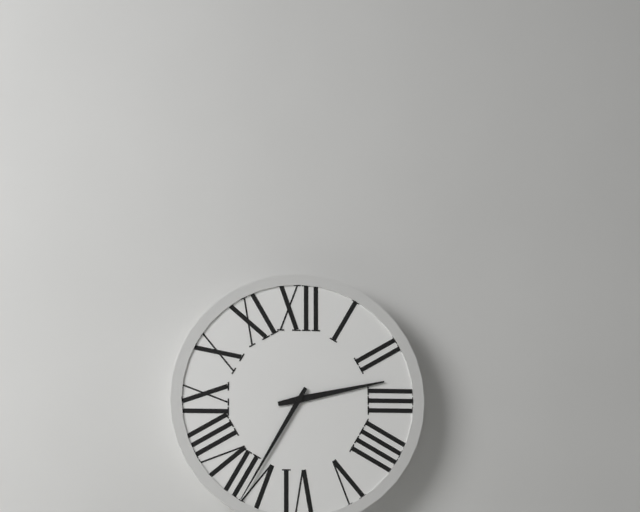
h=2 m=35
